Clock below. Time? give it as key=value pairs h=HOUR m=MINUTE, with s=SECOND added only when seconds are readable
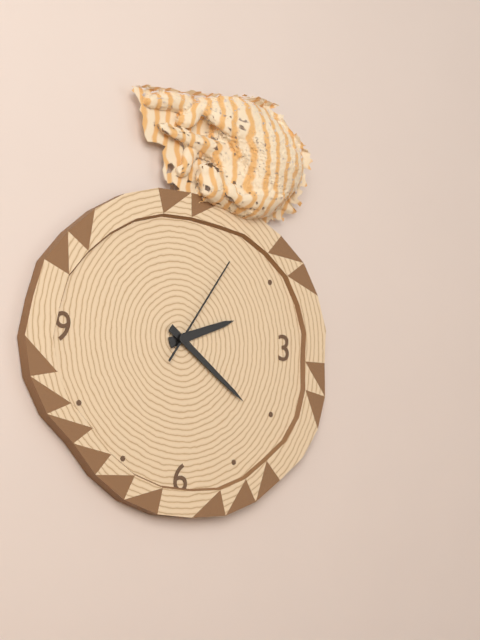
h=2 m=21 s=6
